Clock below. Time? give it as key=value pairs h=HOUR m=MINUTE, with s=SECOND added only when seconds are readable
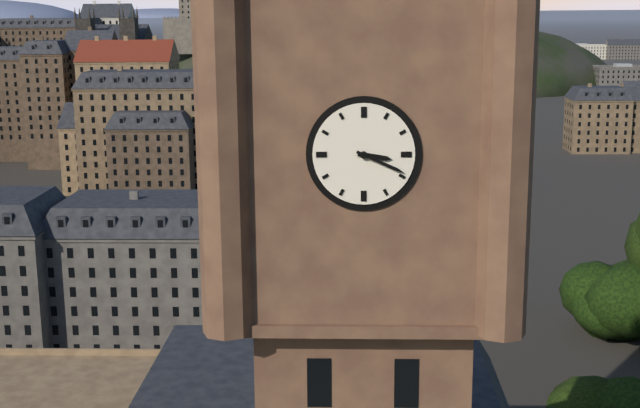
h=3 m=19
